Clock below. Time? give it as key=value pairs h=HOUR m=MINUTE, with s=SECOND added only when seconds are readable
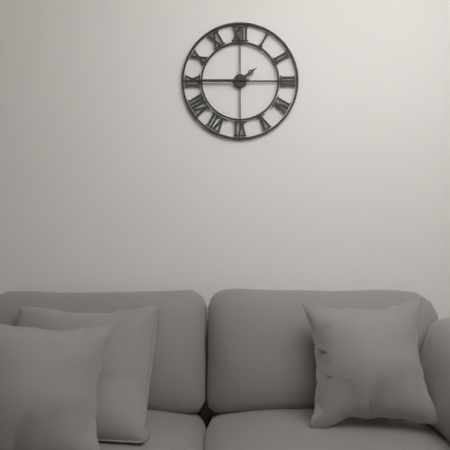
h=1 m=45
